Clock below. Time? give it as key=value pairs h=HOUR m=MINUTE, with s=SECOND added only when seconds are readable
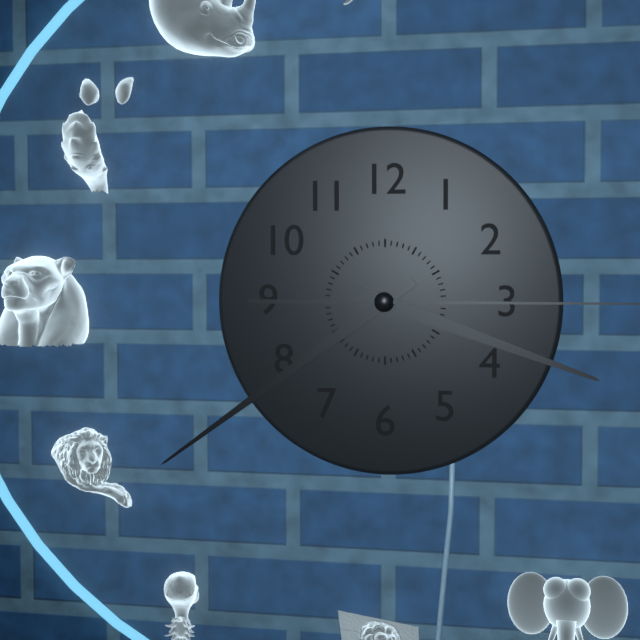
h=3 m=39
